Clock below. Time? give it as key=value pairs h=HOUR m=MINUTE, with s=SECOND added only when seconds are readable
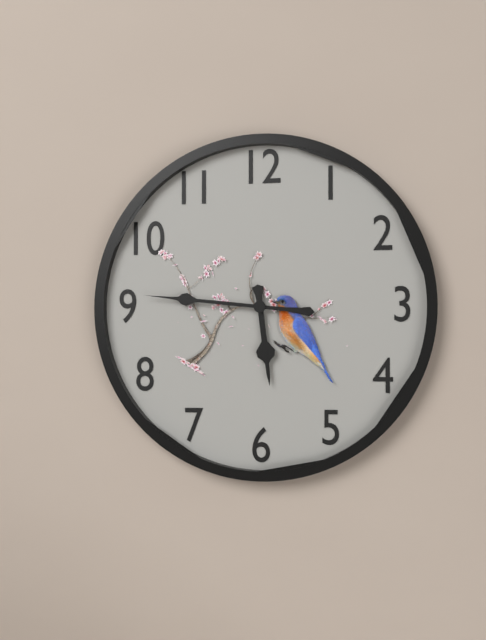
h=5 m=46
